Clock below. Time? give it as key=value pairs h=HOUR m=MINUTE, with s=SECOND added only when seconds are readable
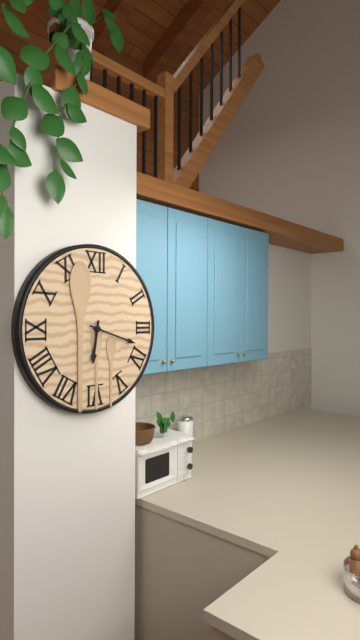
h=6 m=18
